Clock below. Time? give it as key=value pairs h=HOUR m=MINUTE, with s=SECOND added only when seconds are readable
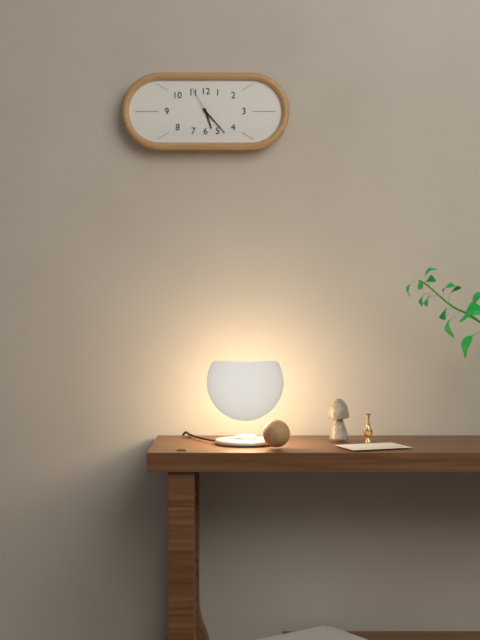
h=5 m=23
